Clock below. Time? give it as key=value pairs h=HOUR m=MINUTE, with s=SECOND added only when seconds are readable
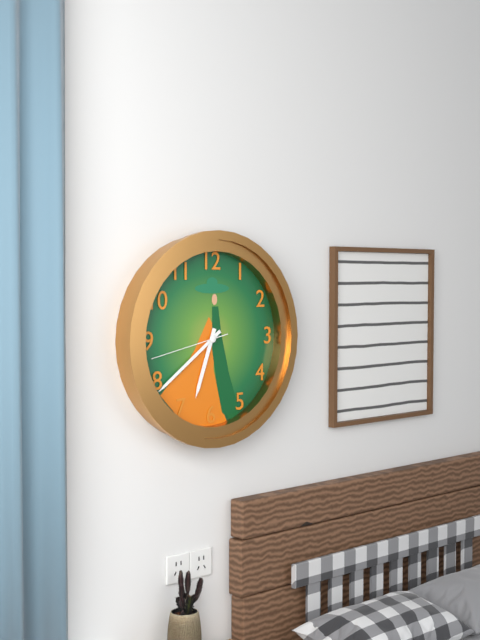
h=6 m=39 s=43
